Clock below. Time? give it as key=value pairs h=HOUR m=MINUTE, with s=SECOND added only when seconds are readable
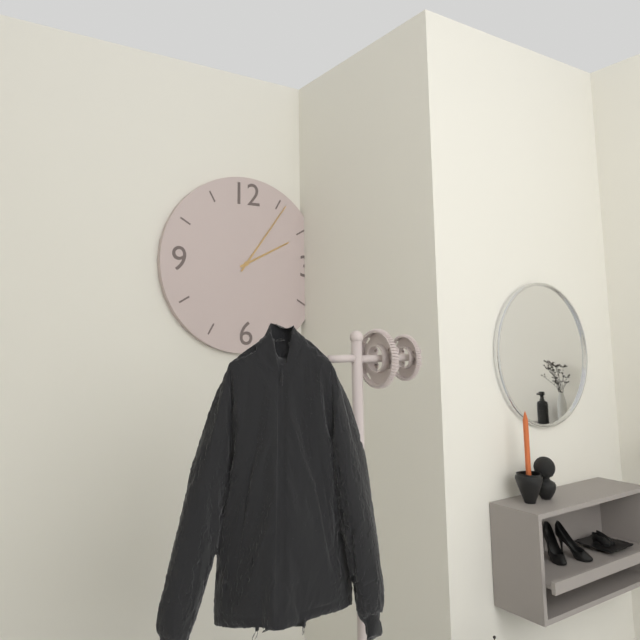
h=2 m=6
